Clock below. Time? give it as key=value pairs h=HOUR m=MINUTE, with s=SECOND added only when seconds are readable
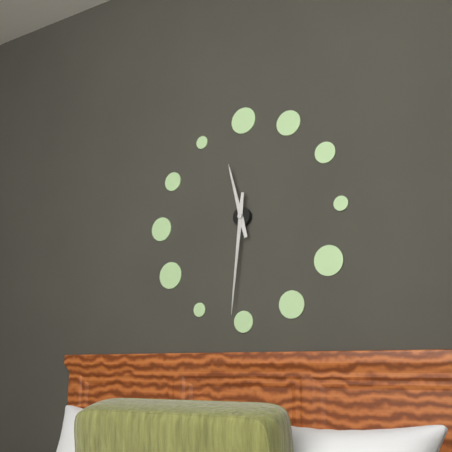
h=11 m=31
